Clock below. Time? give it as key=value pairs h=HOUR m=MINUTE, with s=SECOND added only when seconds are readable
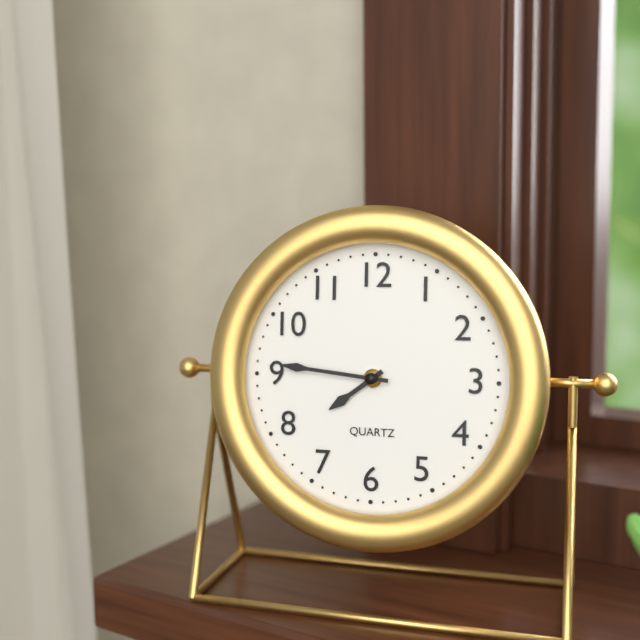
h=7 m=46
